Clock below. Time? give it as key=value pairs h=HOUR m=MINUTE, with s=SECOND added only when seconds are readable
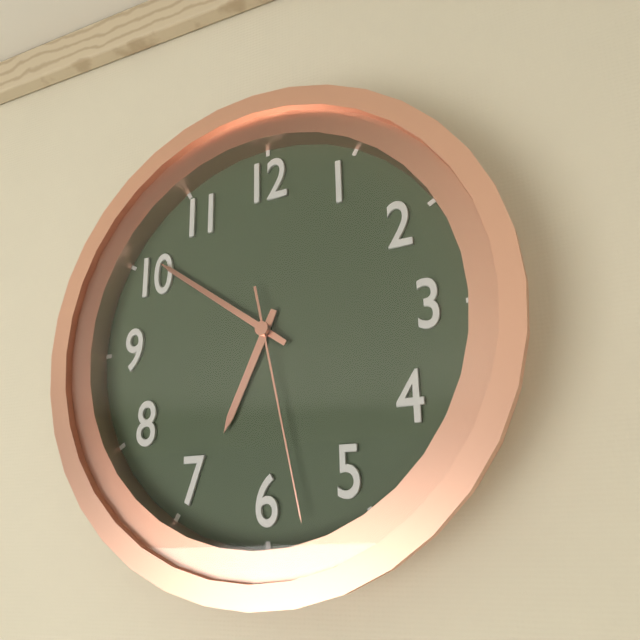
h=6 m=51 s=28
